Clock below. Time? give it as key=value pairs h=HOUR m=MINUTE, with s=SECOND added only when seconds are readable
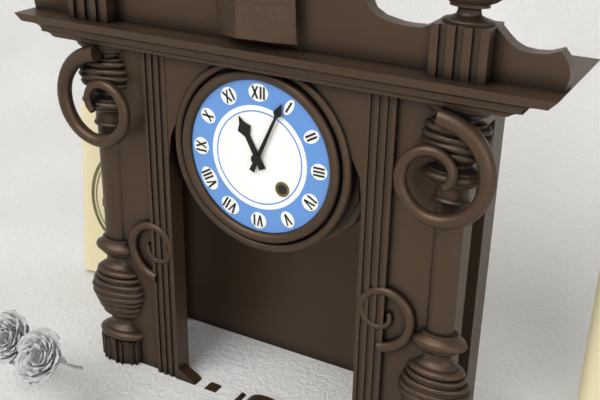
h=11 m=4
